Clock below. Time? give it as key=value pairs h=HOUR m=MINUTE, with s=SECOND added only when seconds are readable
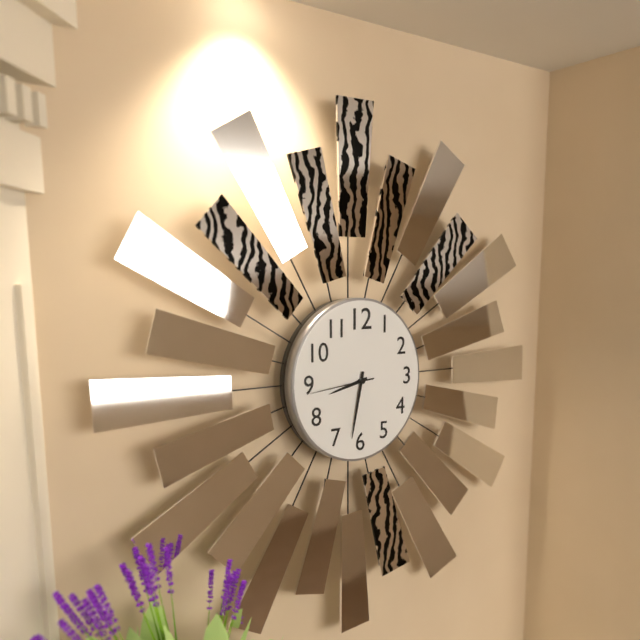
h=8 m=32 s=44
